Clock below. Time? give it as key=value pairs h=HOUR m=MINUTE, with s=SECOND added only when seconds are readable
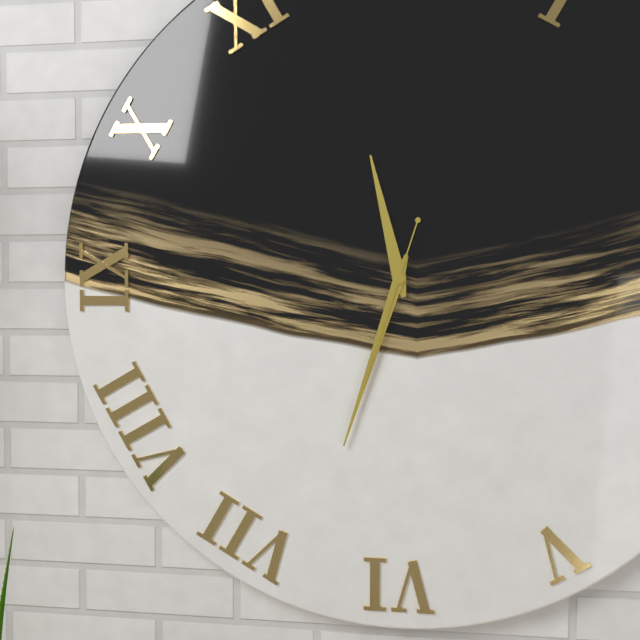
h=11 m=33 s=33
